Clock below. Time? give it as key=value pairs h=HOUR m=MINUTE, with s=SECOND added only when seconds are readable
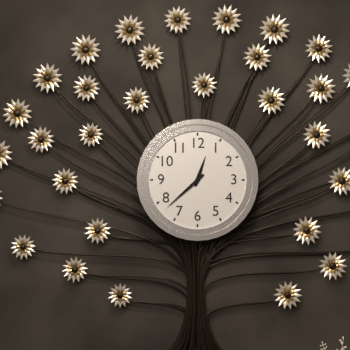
h=12 m=38
